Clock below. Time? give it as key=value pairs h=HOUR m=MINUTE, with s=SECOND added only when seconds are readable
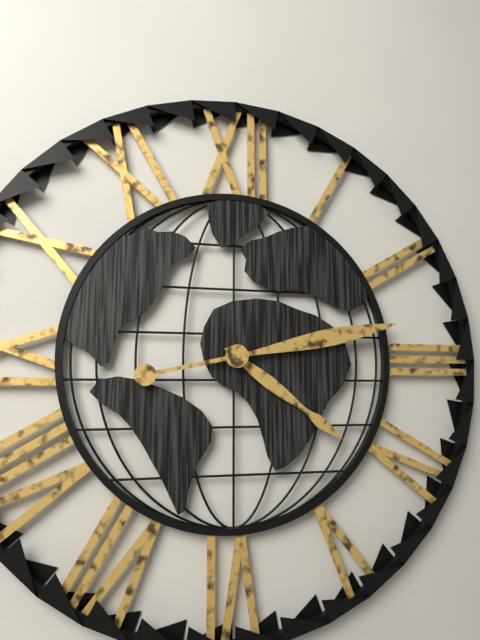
h=4 m=13
